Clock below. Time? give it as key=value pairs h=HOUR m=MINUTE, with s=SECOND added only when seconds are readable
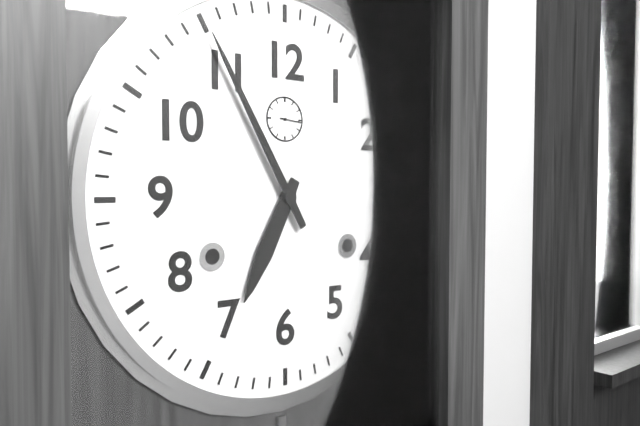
h=6 m=55
